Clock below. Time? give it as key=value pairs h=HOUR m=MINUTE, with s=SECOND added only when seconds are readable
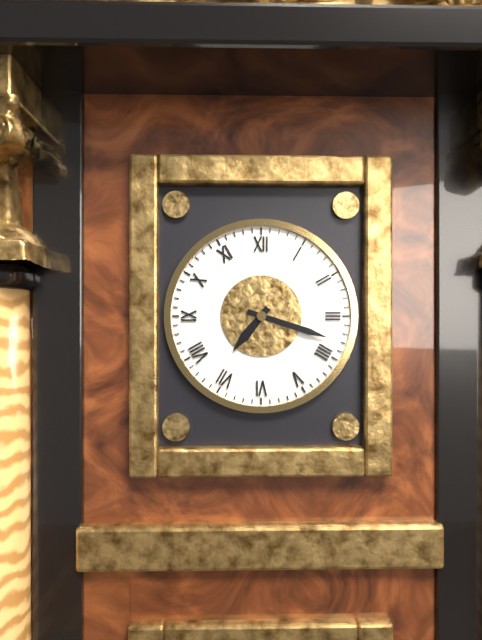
h=7 m=18
